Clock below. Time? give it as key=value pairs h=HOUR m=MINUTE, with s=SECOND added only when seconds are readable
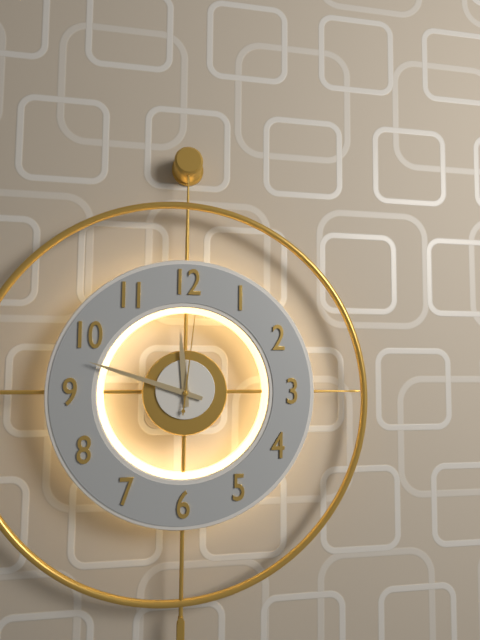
h=11 m=48 s=1
